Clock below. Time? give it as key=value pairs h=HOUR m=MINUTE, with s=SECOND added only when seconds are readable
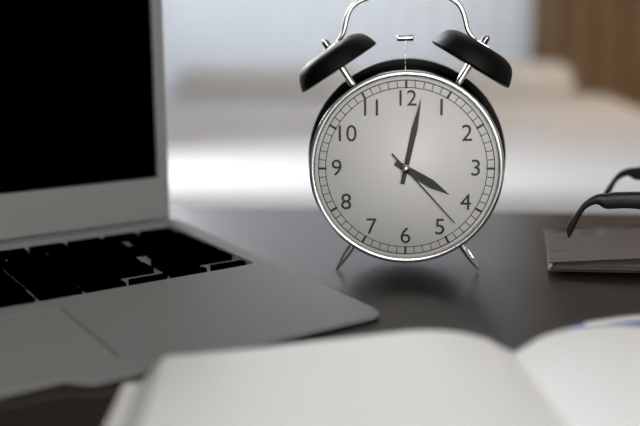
h=4 m=2 s=23
